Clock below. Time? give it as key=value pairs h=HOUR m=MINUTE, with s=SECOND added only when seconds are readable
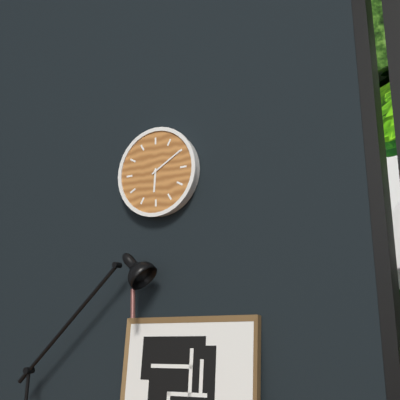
h=6 m=10
